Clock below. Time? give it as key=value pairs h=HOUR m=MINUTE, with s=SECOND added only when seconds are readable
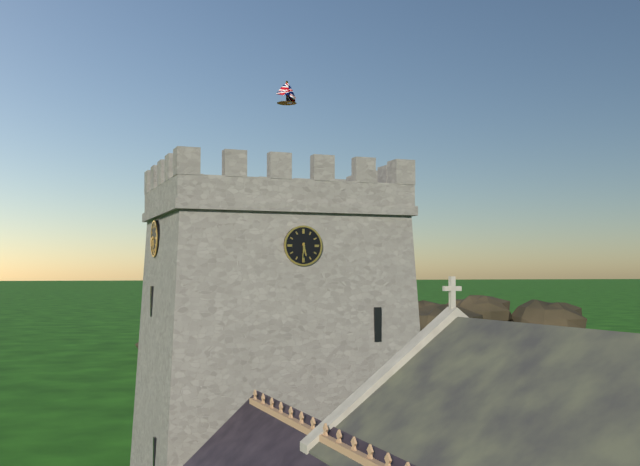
h=5 m=31
